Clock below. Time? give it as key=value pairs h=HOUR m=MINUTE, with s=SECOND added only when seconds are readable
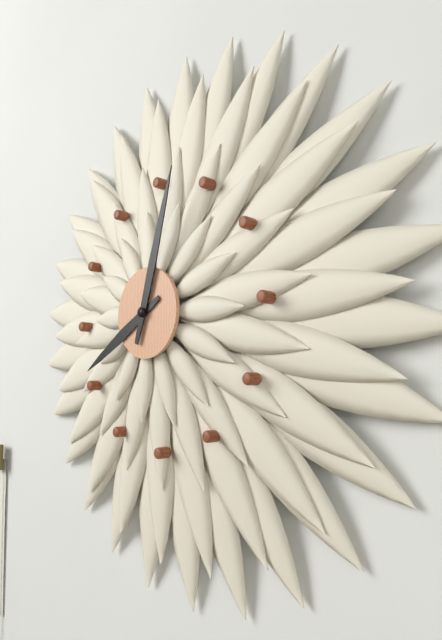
h=8 m=3
